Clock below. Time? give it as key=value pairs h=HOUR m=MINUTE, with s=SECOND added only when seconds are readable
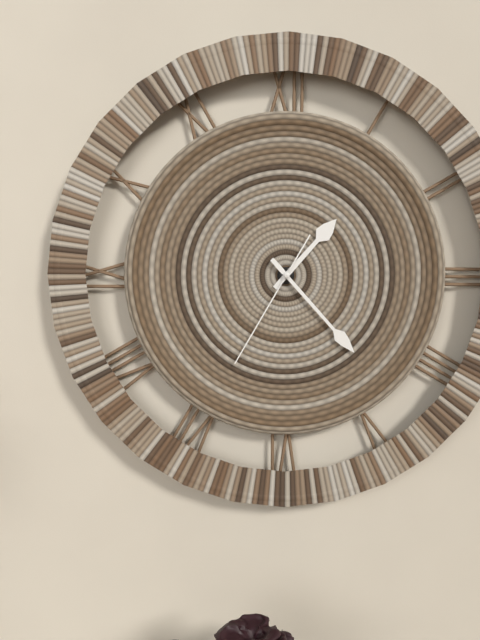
h=1 m=23 s=35
